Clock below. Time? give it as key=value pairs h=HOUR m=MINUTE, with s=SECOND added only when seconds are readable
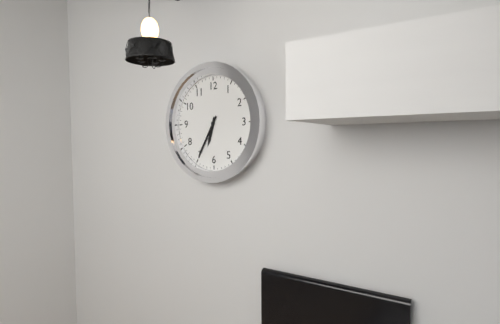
h=6 m=35
